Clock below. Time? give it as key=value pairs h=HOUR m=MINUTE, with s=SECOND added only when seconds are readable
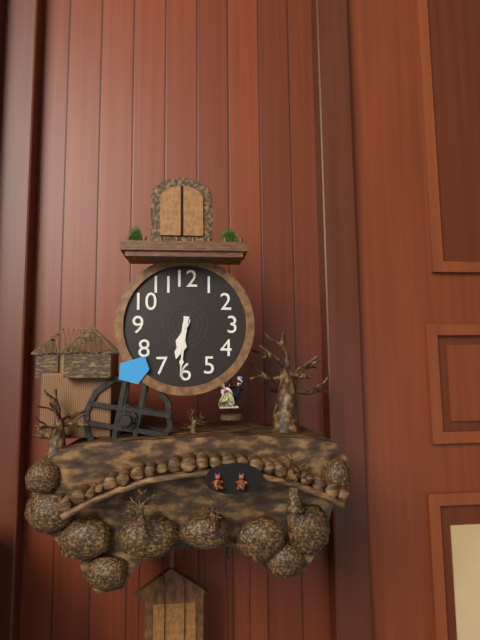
h=6 m=31
